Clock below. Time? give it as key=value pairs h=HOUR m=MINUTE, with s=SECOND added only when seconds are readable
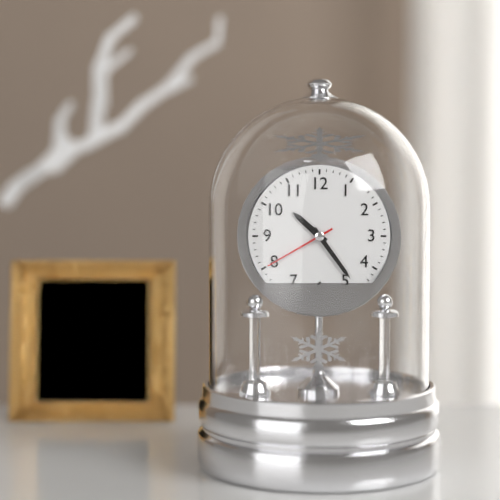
h=10 m=24 s=40
